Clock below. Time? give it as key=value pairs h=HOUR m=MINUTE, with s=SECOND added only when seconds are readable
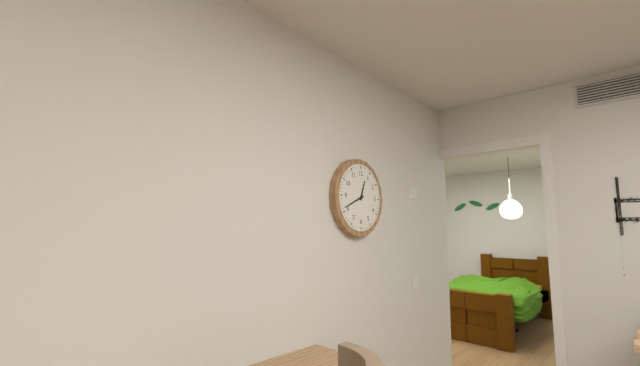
h=12 m=41
